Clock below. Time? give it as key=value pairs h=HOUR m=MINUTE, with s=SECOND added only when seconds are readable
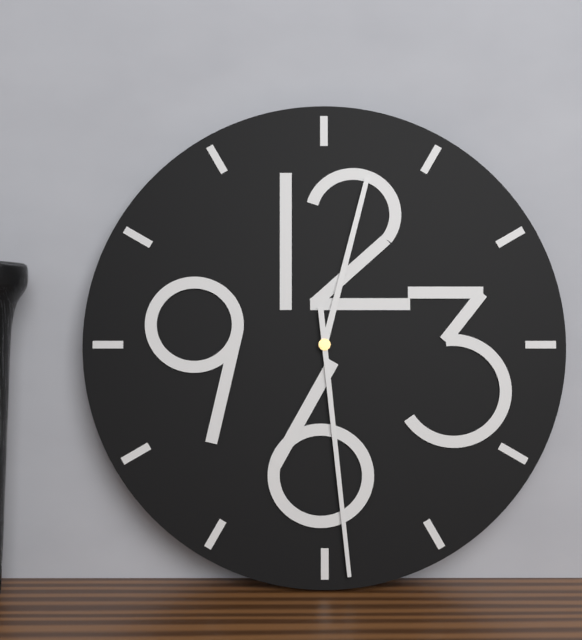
h=12 m=29
